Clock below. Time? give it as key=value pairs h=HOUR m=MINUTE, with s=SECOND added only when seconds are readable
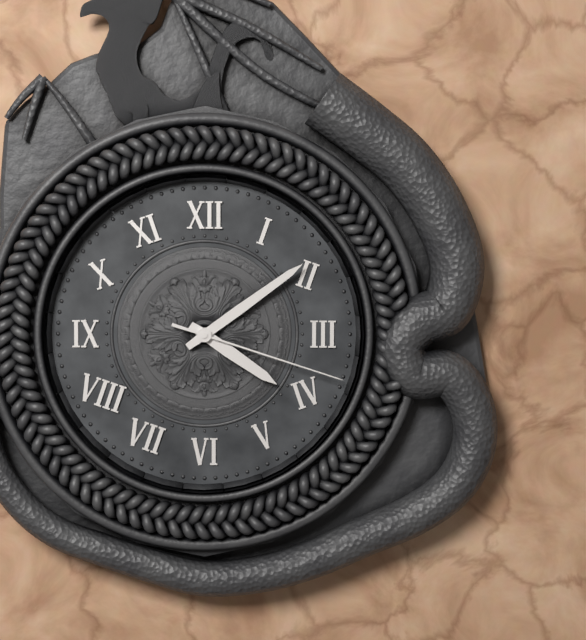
h=4 m=9 s=18
